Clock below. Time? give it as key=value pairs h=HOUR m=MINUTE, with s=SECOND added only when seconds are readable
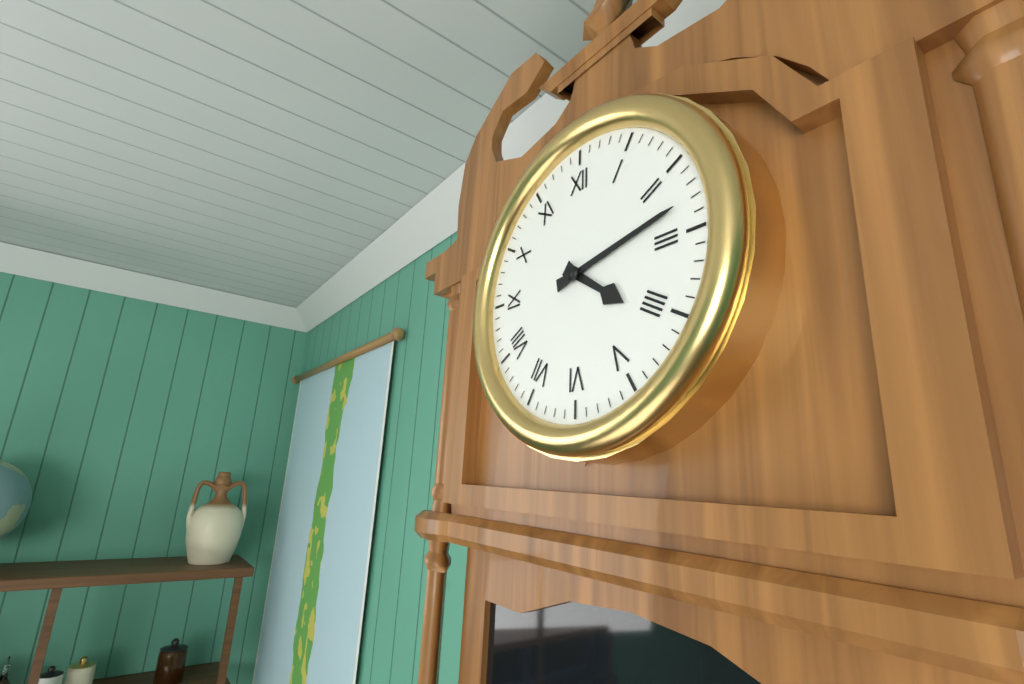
h=4 m=13
